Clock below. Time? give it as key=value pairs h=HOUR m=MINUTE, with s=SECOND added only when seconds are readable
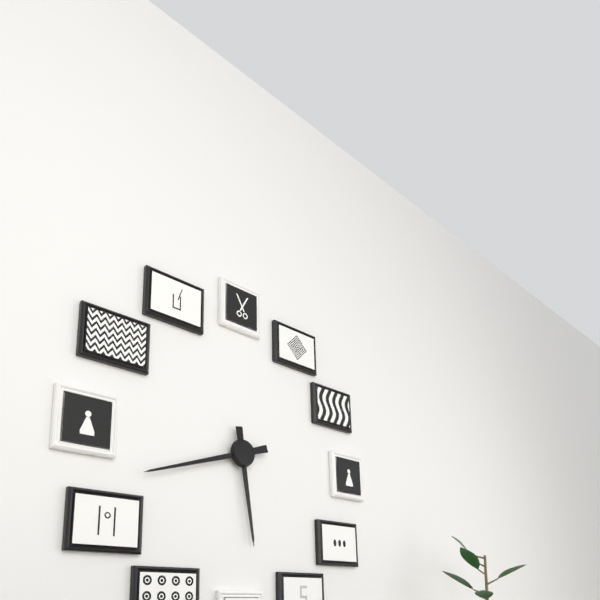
h=5 m=42
